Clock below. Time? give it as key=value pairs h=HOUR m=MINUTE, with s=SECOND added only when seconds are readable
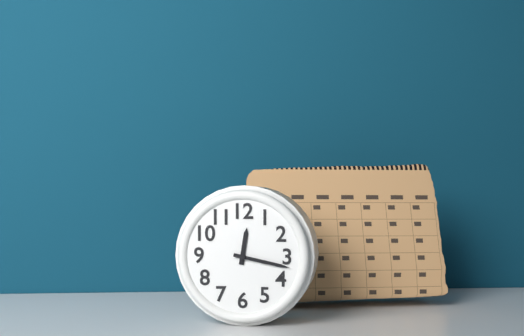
h=12 m=17
